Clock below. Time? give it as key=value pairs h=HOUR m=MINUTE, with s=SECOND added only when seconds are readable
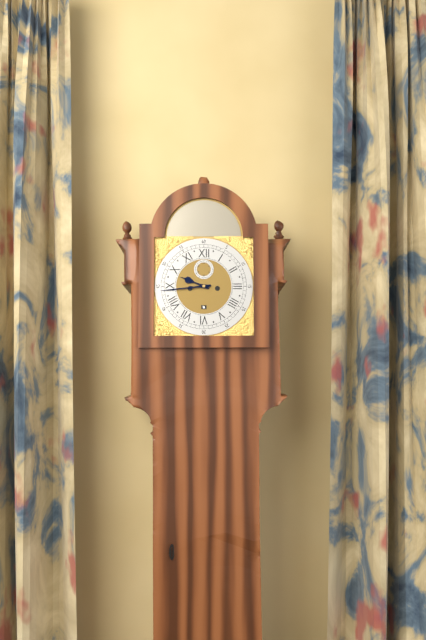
h=9 m=44
